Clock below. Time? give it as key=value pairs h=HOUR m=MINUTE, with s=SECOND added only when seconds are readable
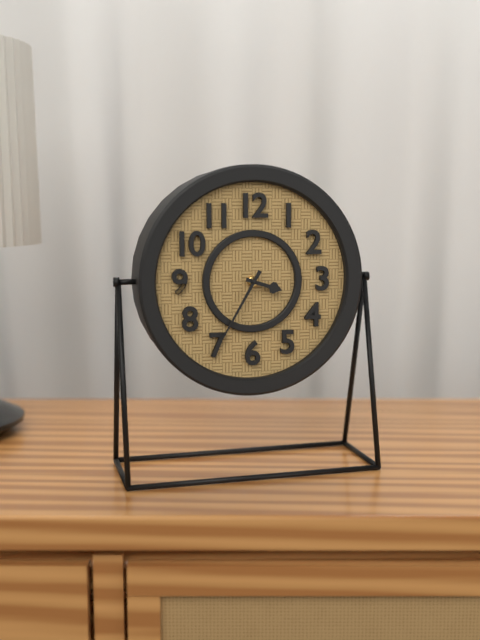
h=3 m=35
